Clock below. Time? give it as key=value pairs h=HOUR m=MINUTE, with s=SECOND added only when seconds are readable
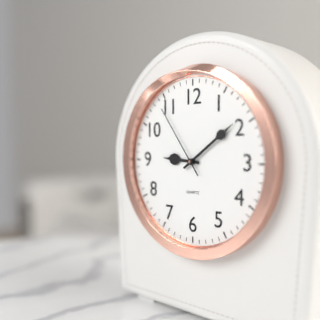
h=9 m=9 s=54
